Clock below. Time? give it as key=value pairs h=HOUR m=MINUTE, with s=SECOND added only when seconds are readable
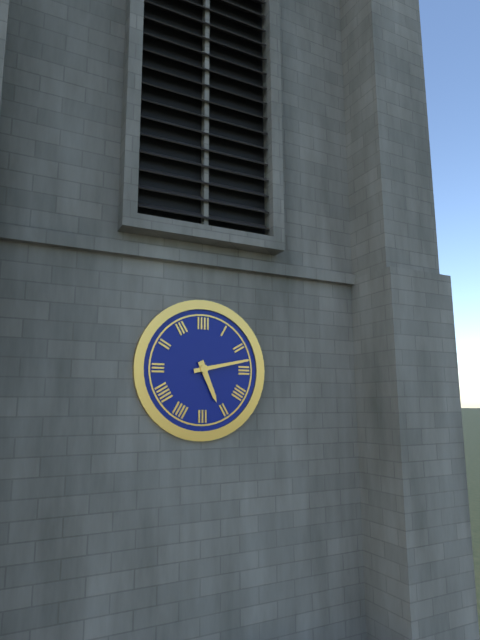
h=5 m=13
